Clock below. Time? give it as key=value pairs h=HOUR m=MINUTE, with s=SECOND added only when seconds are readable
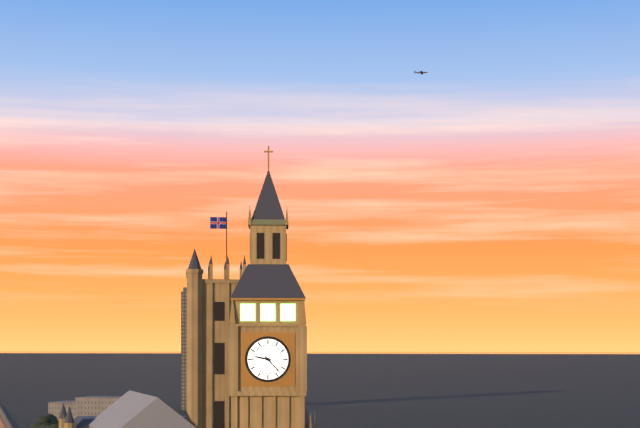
h=9 m=23
